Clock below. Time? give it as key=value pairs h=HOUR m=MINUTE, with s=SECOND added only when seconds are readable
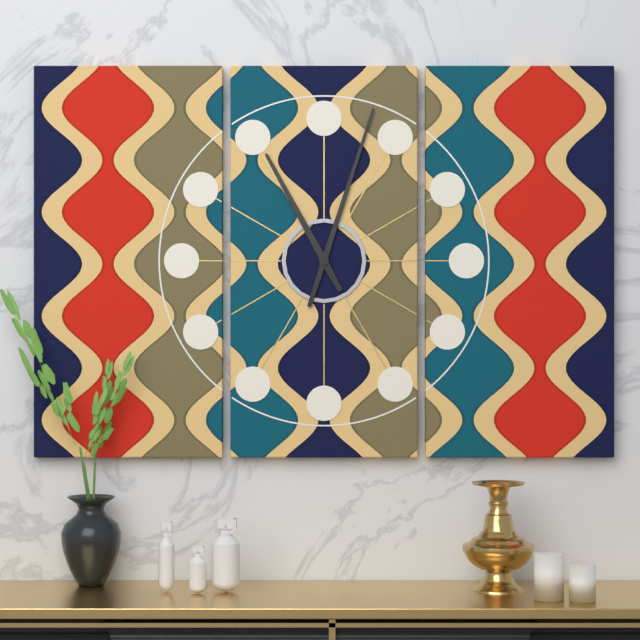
h=11 m=3
